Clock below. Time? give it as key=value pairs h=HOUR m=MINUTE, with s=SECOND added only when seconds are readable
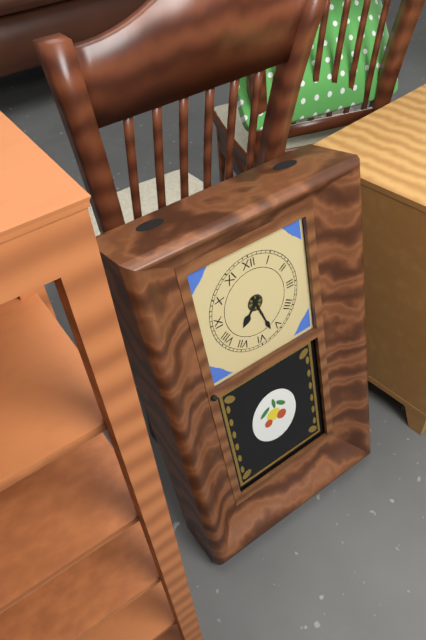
h=7 m=27
